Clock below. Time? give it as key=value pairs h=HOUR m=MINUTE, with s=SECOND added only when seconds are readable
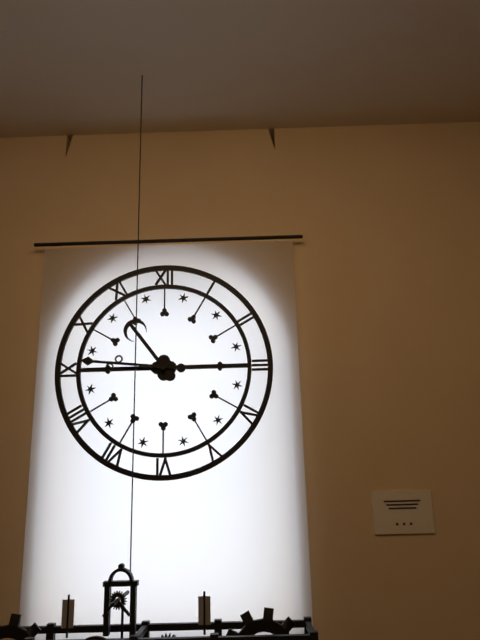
h=10 m=46
